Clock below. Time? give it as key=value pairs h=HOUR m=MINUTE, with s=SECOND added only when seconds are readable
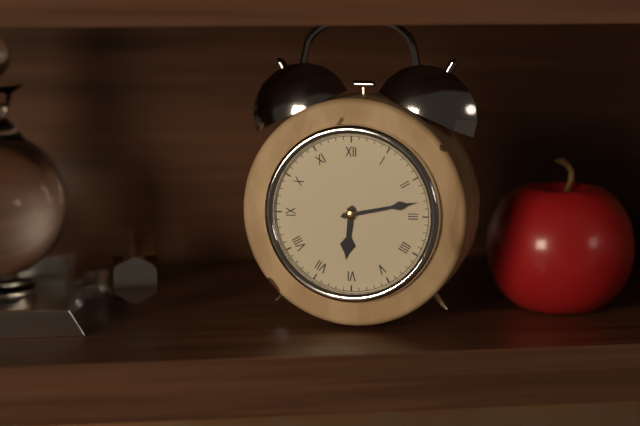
h=6 m=13
